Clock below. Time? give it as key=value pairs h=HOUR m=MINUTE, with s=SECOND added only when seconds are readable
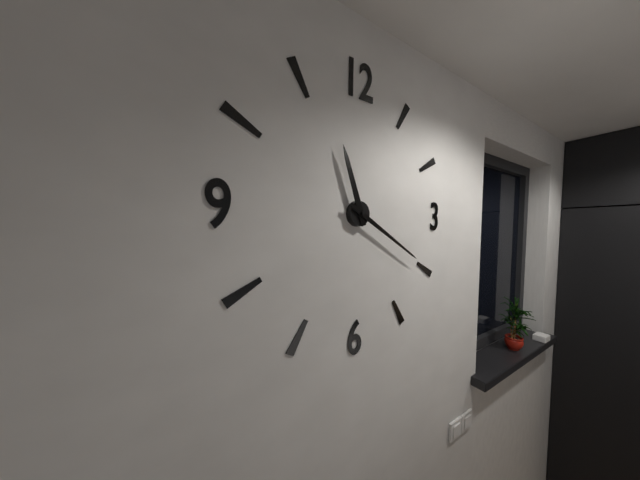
h=11 m=20
